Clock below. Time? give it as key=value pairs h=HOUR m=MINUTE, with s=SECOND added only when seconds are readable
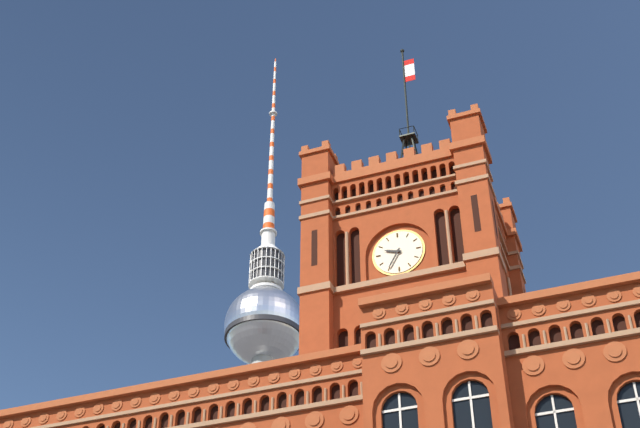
h=9 m=35
